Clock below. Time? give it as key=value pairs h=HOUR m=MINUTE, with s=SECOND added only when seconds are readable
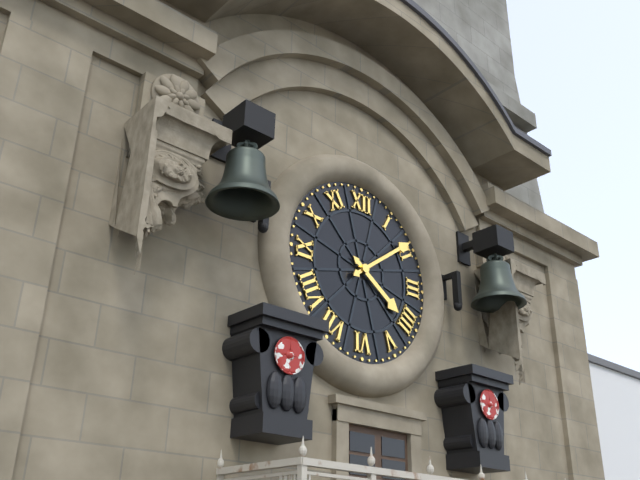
h=4 m=9
